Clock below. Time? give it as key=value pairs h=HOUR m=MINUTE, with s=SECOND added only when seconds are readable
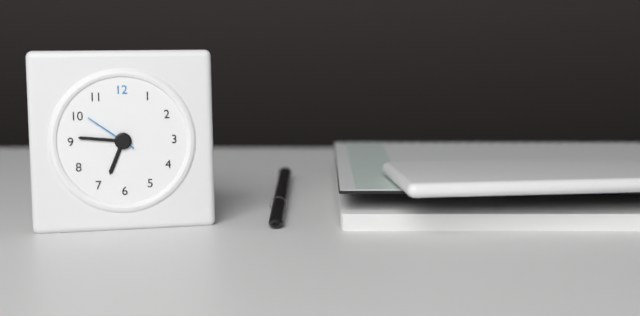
h=6 m=46 s=51
